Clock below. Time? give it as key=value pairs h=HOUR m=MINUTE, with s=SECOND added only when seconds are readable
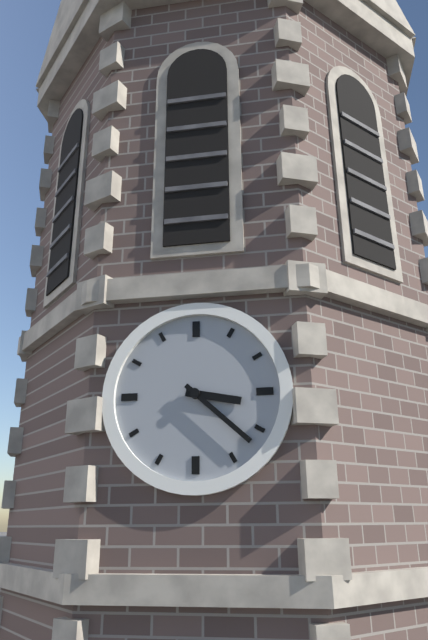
h=3 m=22
